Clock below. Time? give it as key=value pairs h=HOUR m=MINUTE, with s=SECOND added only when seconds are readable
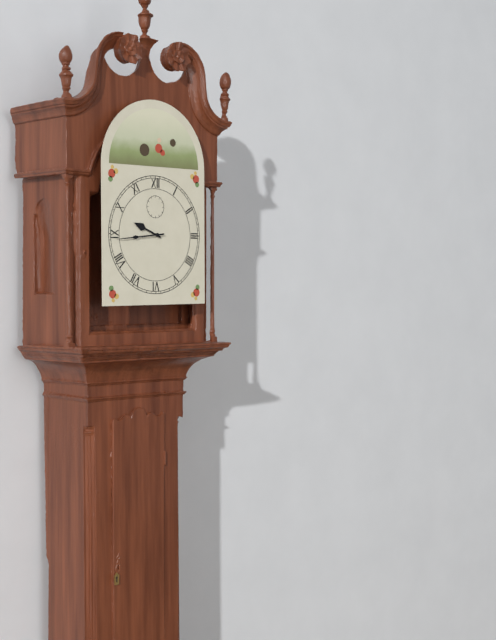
h=9 m=44
